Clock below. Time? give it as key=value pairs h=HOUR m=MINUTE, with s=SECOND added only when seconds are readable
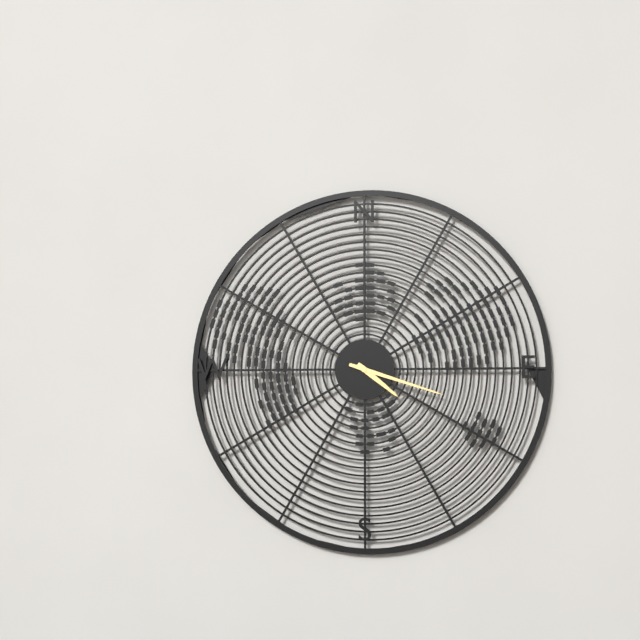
h=4 m=18
